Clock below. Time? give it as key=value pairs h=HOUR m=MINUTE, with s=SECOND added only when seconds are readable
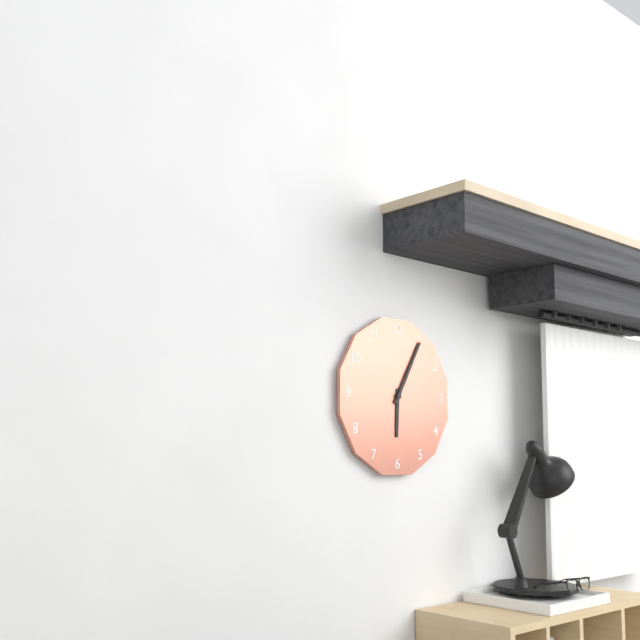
h=6 m=5
